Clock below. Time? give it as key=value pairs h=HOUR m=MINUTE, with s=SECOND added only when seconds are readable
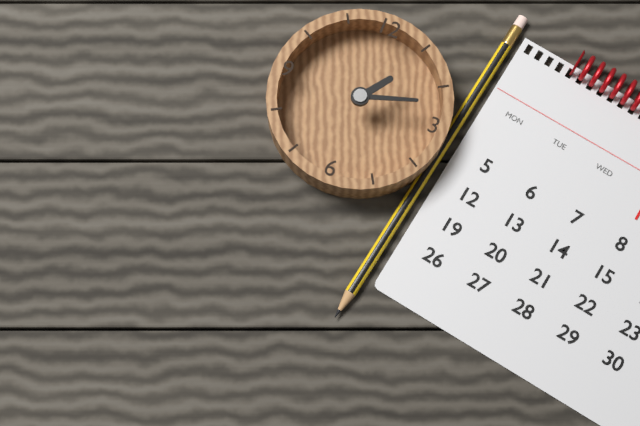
h=1 m=12
